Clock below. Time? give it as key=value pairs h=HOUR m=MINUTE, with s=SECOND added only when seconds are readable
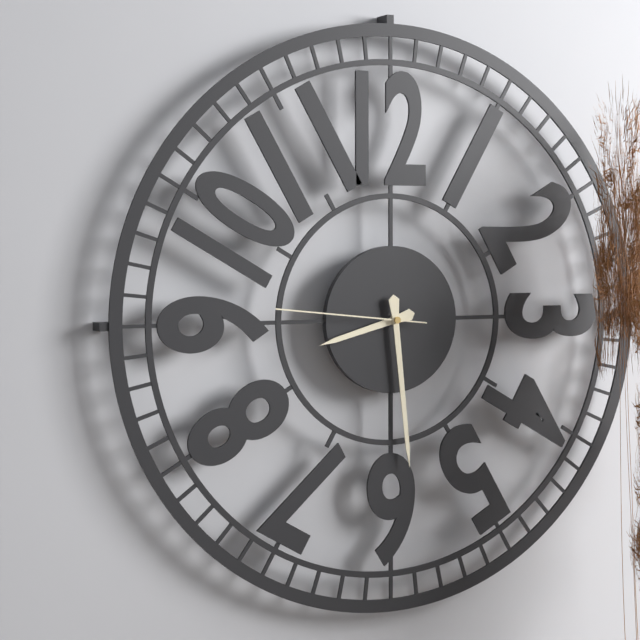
h=8 m=29 s=46
